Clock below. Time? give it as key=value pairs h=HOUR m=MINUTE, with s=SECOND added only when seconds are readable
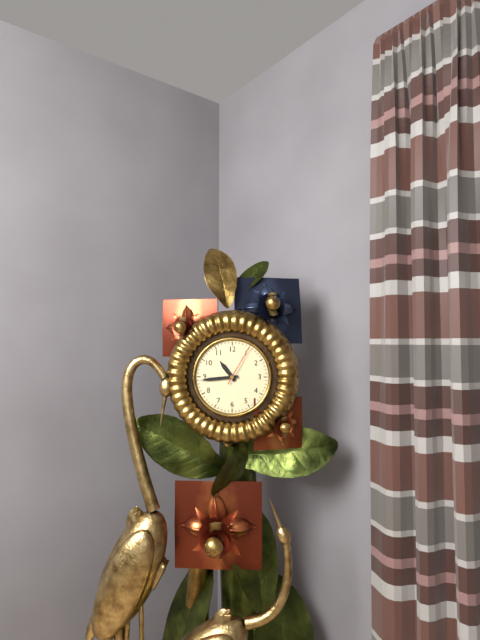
h=10 m=44
